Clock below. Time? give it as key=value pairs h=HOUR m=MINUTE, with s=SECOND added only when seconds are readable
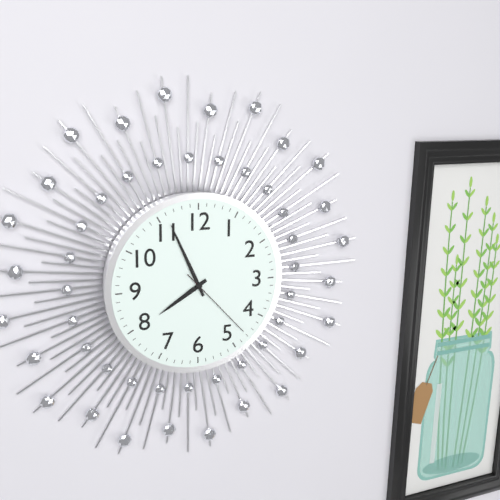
h=7 m=56 s=23
